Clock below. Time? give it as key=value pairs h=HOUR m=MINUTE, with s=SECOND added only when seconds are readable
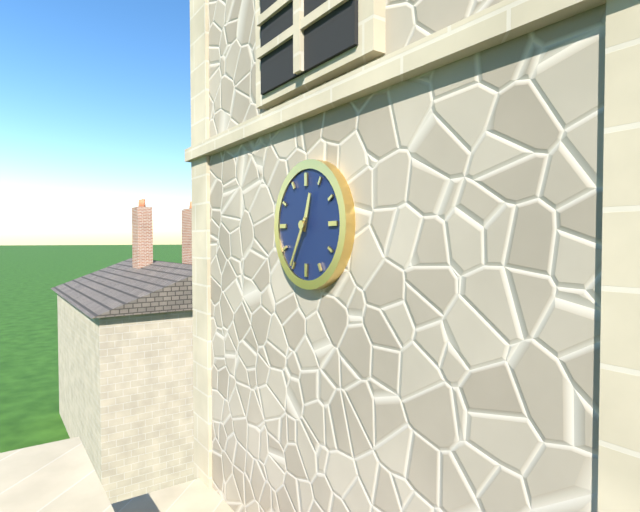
h=12 m=35
